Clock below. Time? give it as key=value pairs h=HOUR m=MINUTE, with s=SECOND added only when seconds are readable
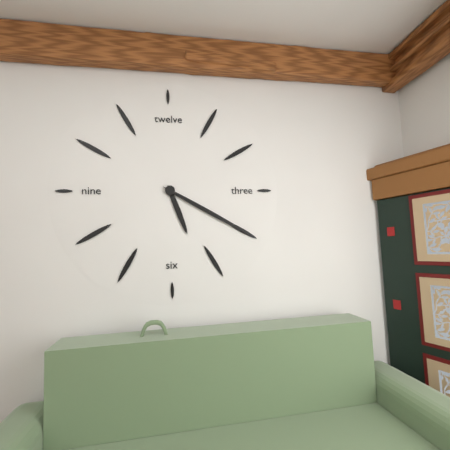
h=5 m=20
